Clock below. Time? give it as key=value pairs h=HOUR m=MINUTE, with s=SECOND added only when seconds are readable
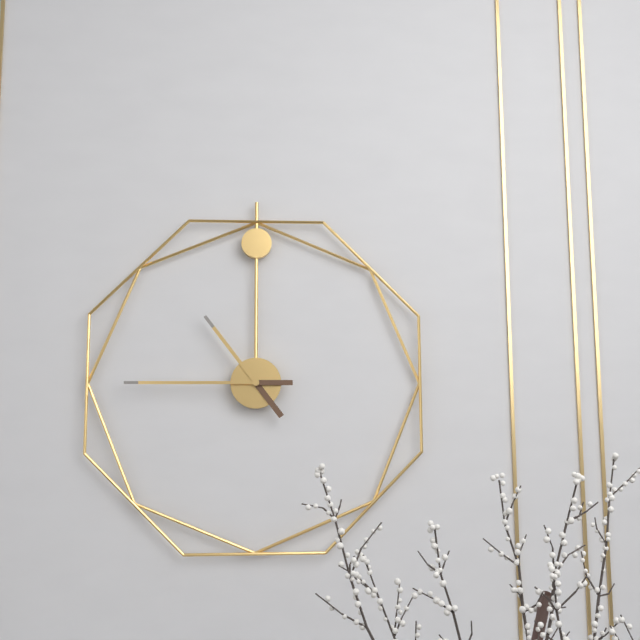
h=10 m=45
